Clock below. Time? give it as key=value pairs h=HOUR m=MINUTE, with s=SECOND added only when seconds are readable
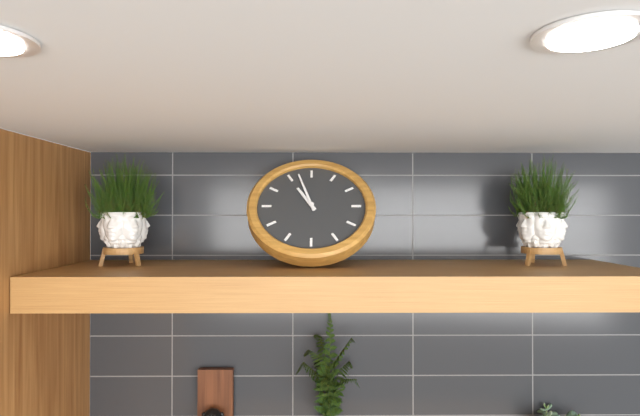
h=10 m=57
